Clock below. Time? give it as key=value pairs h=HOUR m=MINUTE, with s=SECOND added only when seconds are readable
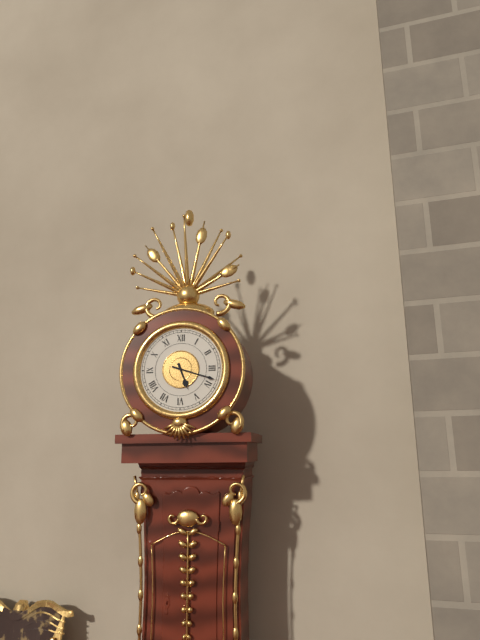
h=5 m=18
